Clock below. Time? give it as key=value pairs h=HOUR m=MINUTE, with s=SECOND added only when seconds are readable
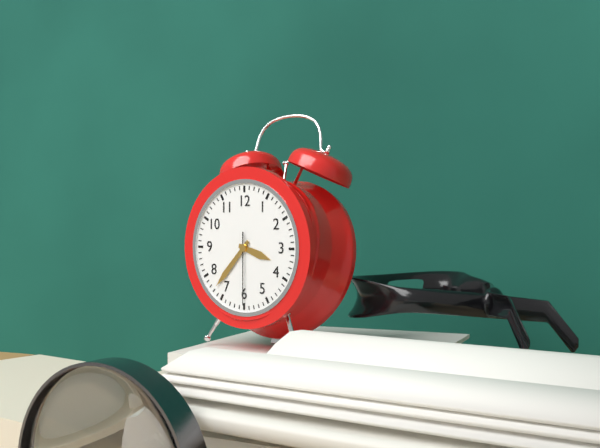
h=3 m=37 s=30
